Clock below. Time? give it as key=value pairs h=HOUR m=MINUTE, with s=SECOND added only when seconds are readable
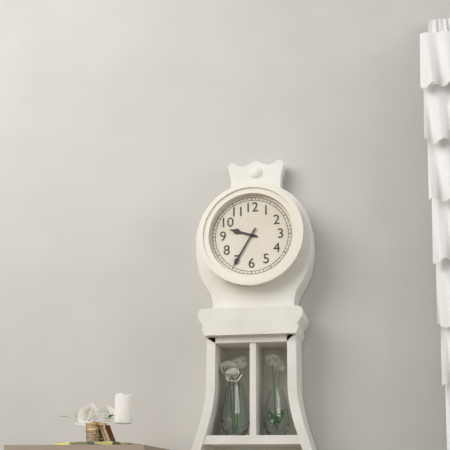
h=9 m=35
